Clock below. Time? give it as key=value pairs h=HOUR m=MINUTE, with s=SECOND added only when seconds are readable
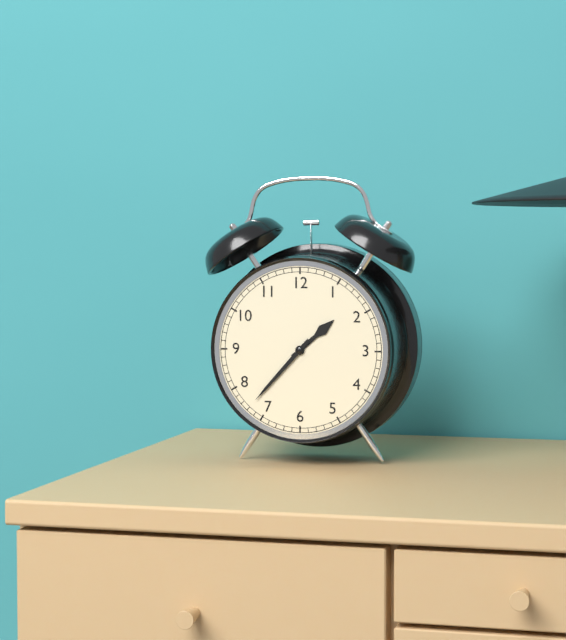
h=1 m=37
